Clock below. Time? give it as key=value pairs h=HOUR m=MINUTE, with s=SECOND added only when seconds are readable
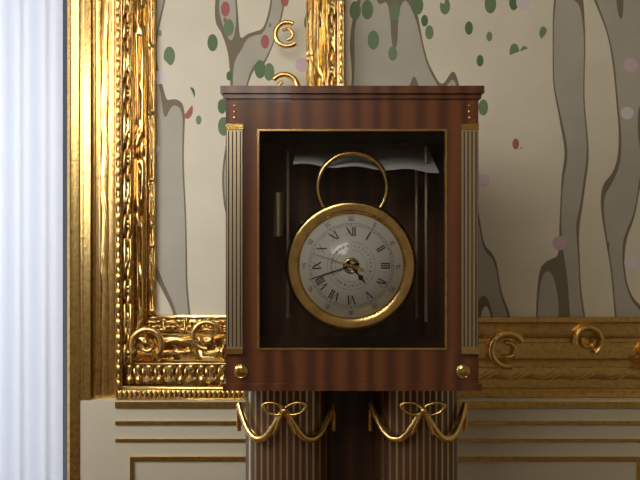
h=4 m=42 s=48
